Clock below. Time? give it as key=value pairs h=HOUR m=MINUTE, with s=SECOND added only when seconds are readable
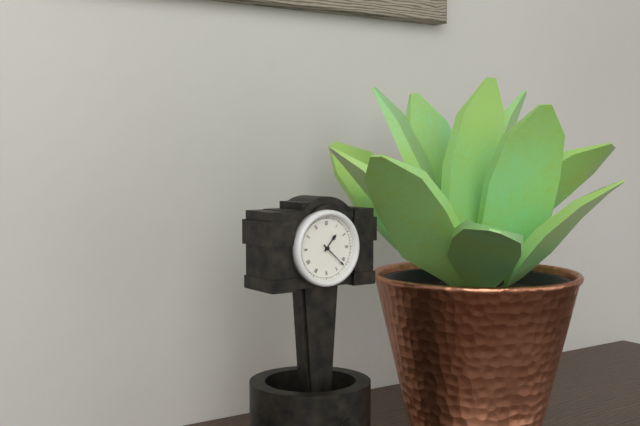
h=1 m=22
